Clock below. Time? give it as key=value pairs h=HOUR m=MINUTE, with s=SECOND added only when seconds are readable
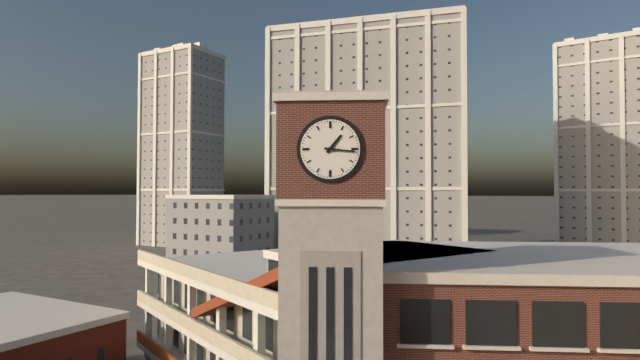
h=1 m=16
